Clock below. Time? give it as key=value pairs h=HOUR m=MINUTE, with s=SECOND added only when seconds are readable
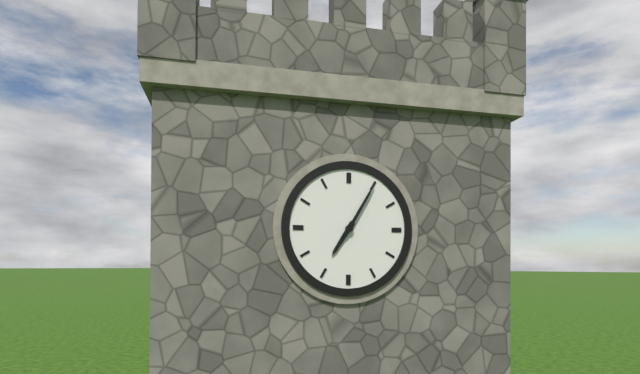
h=7 m=5
